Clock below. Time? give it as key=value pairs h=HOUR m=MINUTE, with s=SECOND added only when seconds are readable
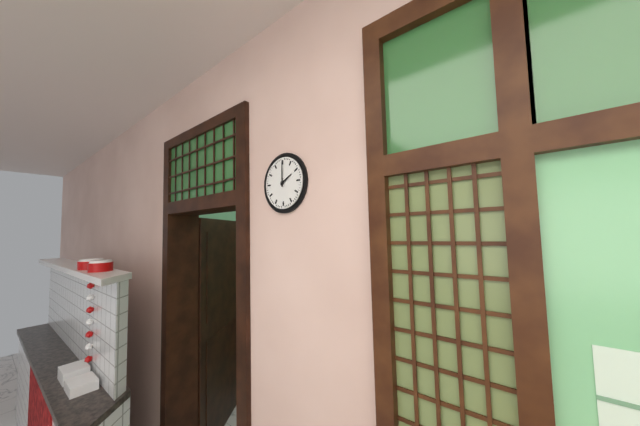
h=2 m=0
